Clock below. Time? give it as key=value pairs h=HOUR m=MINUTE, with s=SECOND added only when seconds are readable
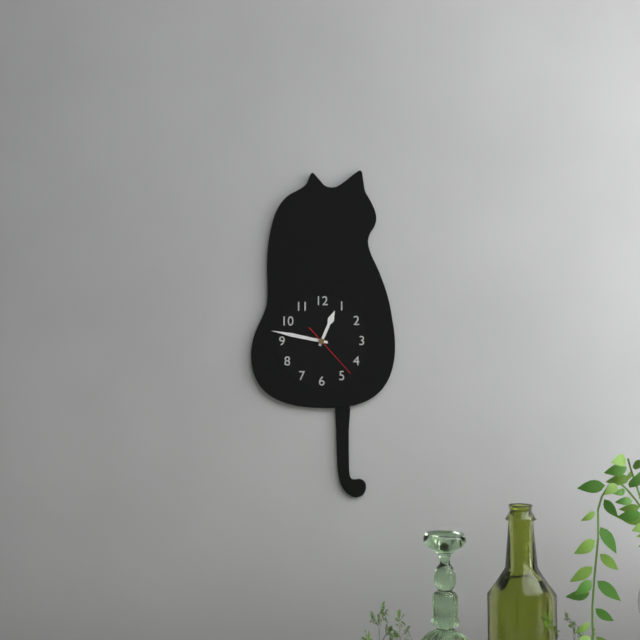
h=12 m=47 s=23
